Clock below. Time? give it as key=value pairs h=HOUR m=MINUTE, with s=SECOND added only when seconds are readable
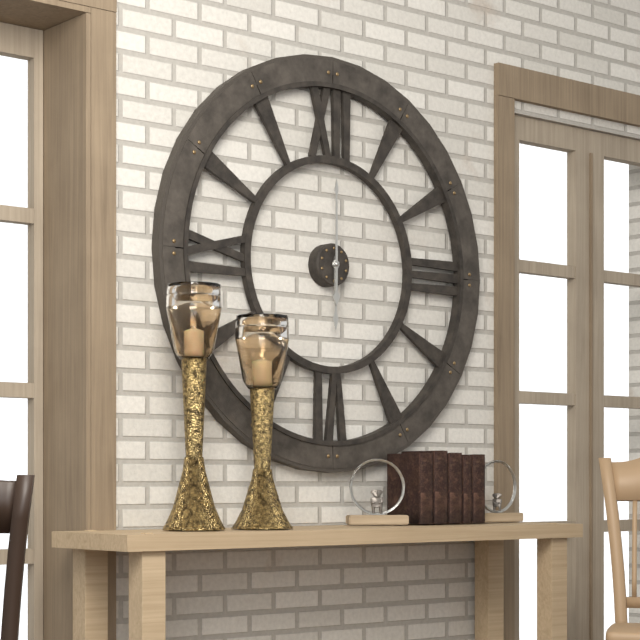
h=6 m=0
